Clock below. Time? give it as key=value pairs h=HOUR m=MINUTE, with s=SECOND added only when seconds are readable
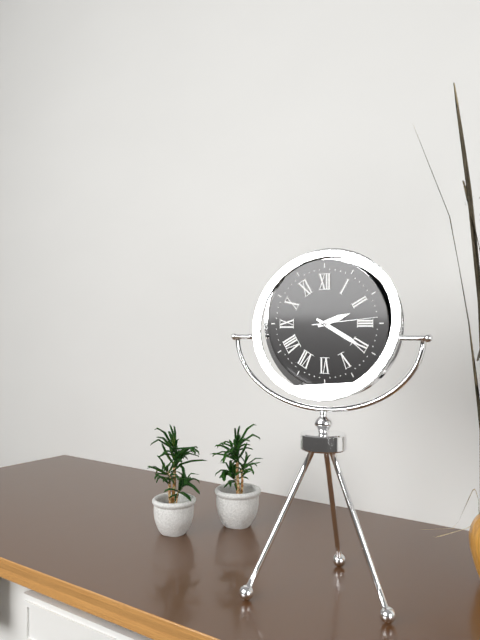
h=2 m=20 s=14
